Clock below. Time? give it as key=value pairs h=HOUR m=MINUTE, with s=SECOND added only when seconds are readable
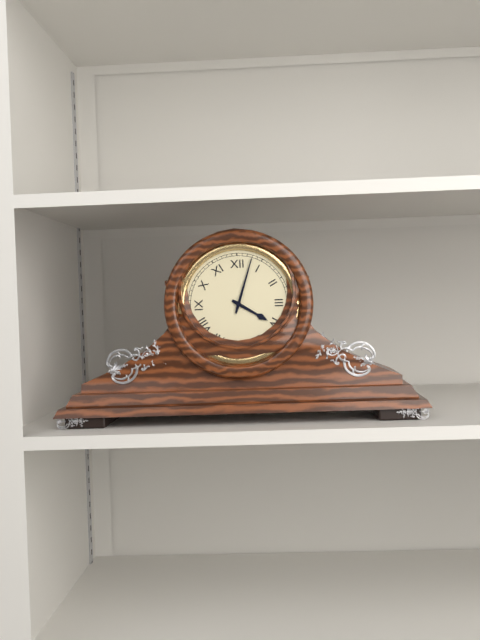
h=4 m=3
